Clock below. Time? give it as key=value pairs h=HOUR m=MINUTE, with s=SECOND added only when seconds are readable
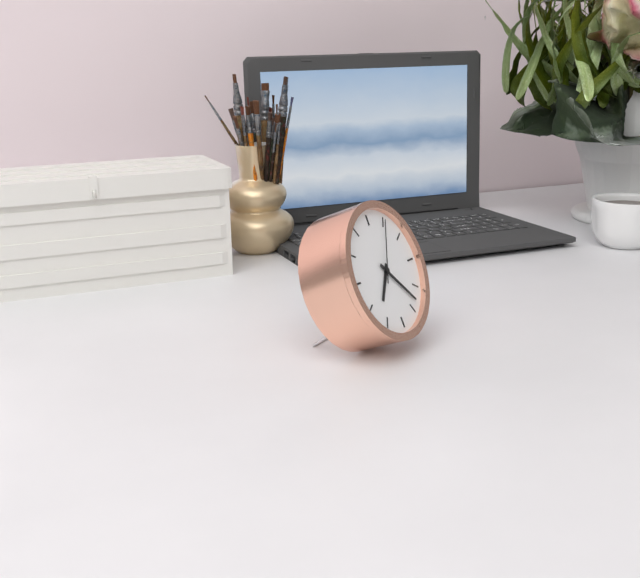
h=7 m=23 s=5
